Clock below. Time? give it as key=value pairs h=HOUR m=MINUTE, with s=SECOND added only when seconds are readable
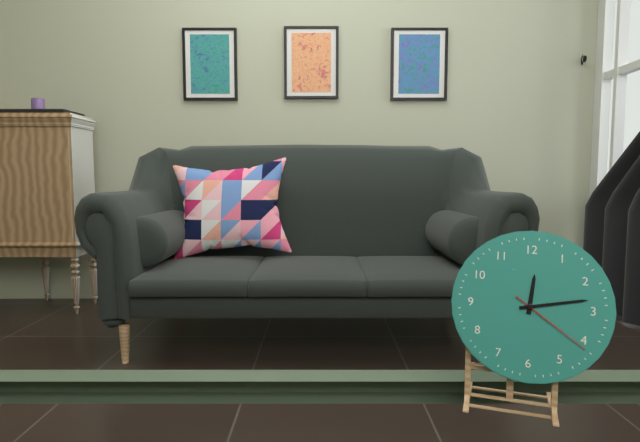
h=12 m=13 s=21
